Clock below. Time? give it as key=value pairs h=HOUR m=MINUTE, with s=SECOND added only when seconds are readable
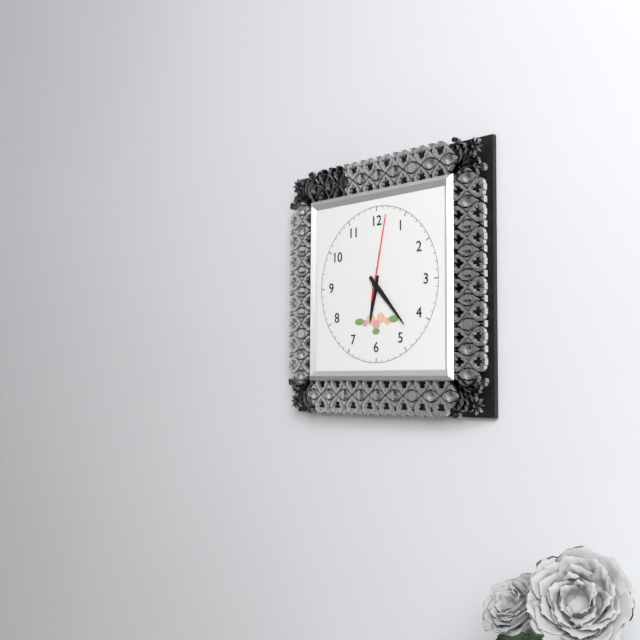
h=6 m=23 s=2
